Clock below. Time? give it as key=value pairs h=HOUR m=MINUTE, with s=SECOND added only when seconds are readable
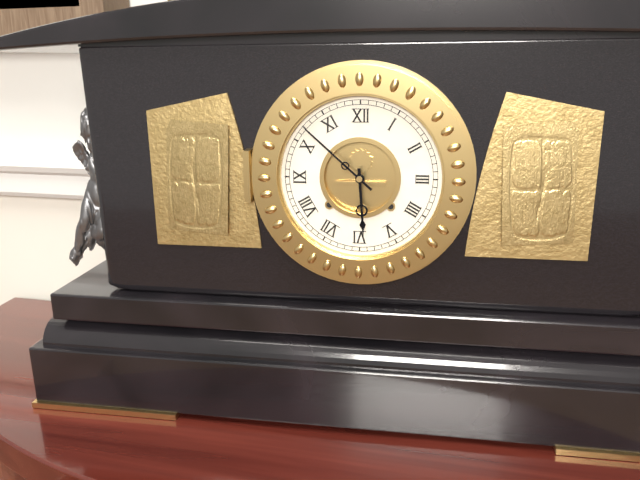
h=5 m=52
